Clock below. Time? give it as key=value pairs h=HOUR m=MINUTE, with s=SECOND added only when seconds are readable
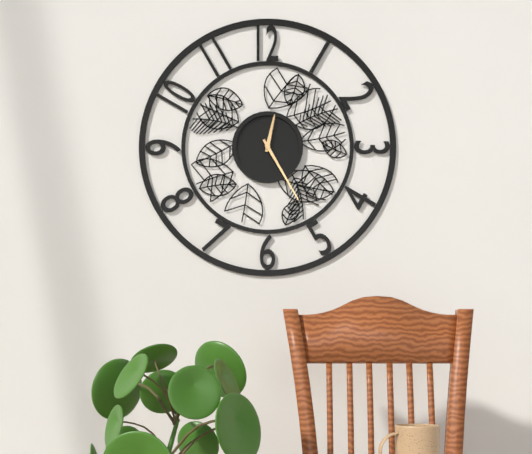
h=12 m=25
